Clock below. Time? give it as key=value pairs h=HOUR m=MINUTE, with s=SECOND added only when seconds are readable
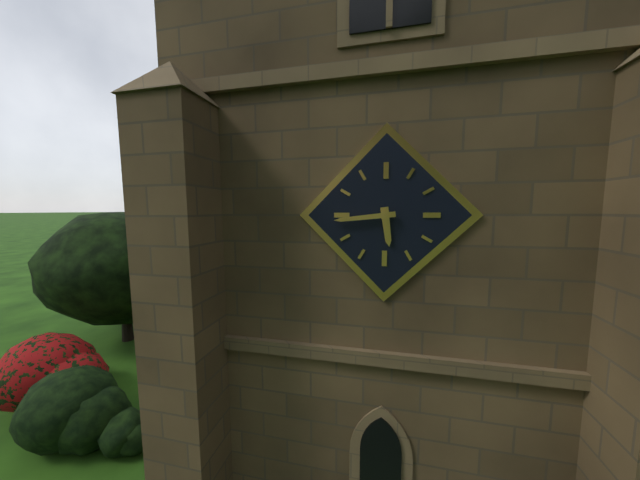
h=5 m=44
